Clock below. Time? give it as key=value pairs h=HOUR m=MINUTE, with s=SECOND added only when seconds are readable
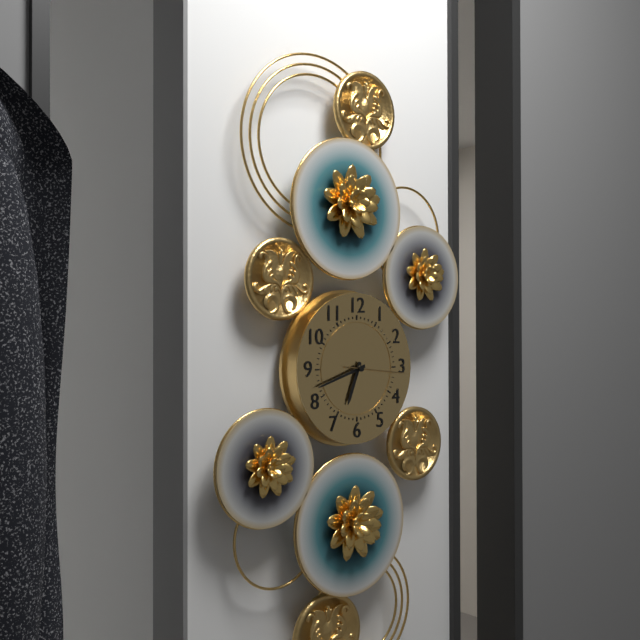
h=6 m=42 s=16
